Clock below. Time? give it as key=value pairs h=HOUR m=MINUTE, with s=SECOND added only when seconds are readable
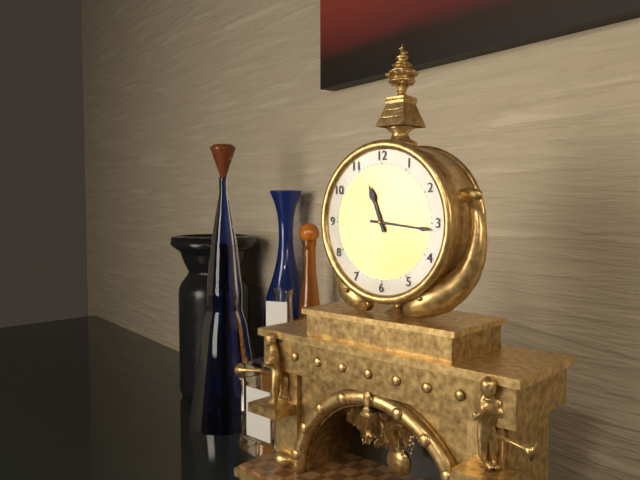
h=11 m=16
